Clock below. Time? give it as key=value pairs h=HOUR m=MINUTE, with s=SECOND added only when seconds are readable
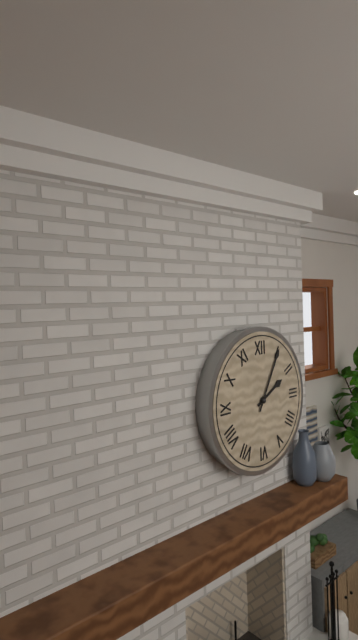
h=2 m=5
